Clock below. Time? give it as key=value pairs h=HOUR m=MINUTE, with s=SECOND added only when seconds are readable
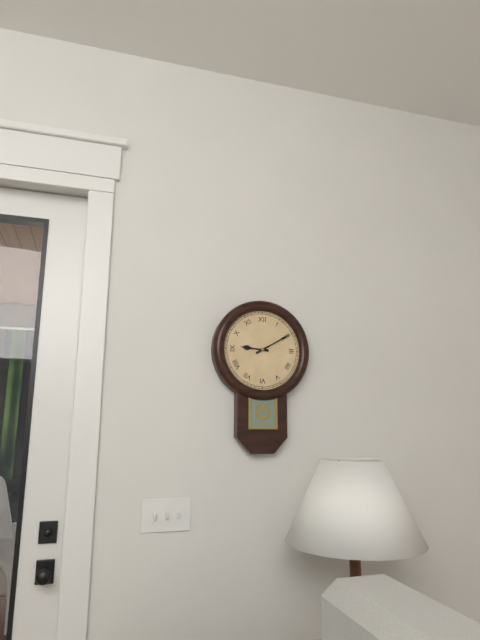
h=9 m=10
